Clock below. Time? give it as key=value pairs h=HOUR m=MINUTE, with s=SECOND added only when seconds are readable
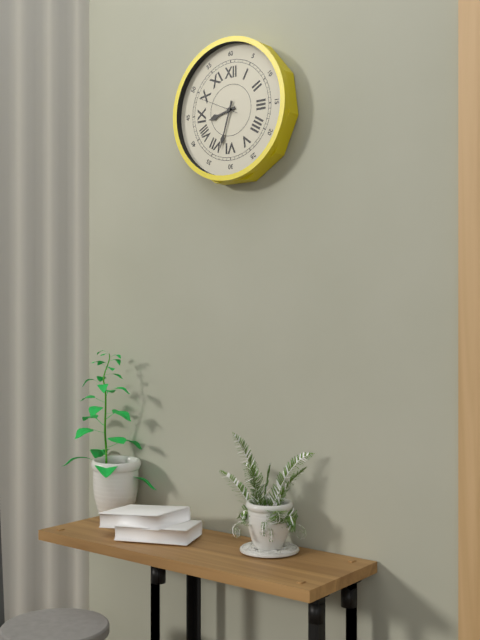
h=8 m=33
